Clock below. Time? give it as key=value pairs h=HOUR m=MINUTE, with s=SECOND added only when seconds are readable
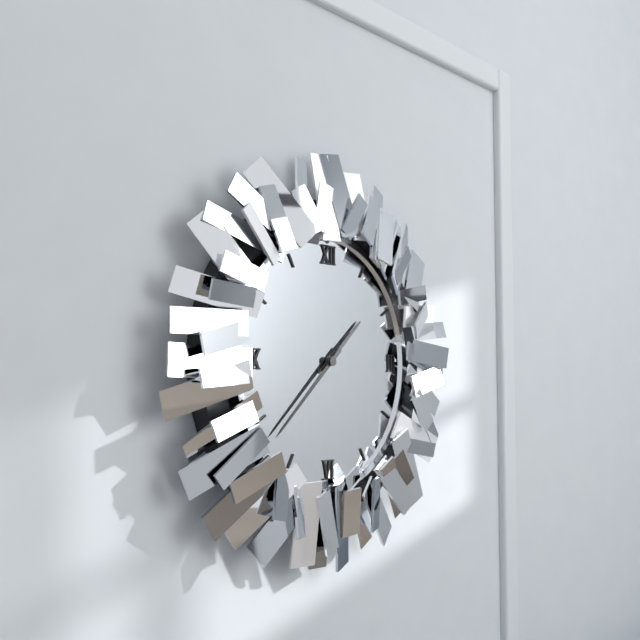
h=1 m=38
